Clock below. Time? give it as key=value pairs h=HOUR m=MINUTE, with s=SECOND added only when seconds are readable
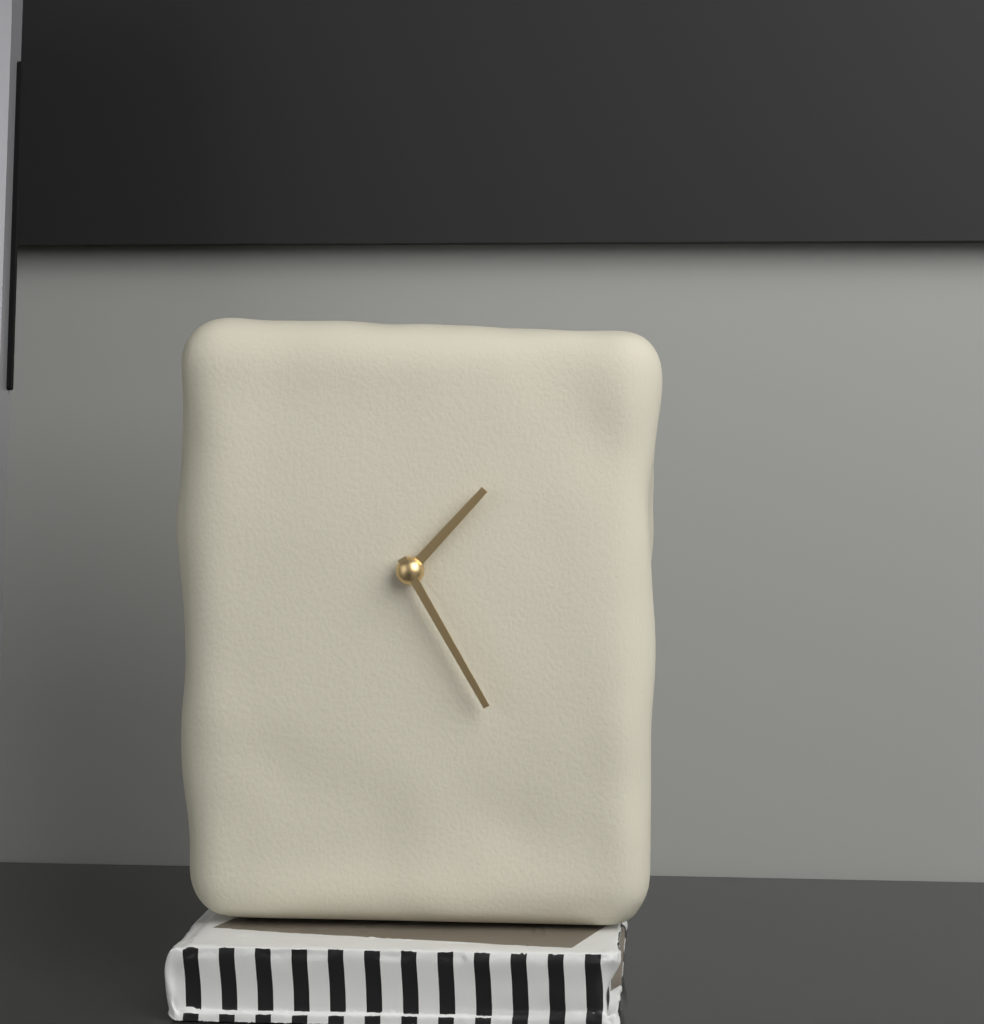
h=1 m=25
